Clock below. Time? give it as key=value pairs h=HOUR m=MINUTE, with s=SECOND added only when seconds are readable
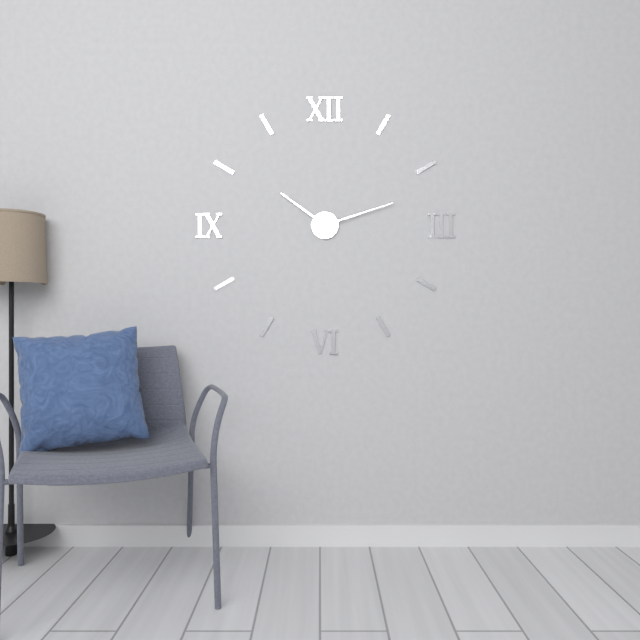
h=10 m=12
